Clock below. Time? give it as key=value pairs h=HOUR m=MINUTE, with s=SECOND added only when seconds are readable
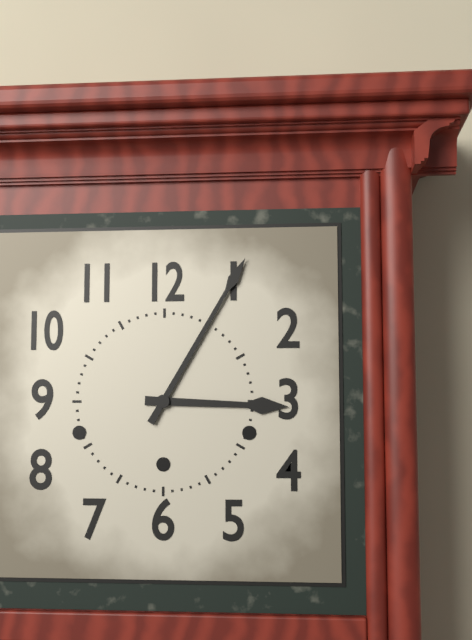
h=3 m=5
